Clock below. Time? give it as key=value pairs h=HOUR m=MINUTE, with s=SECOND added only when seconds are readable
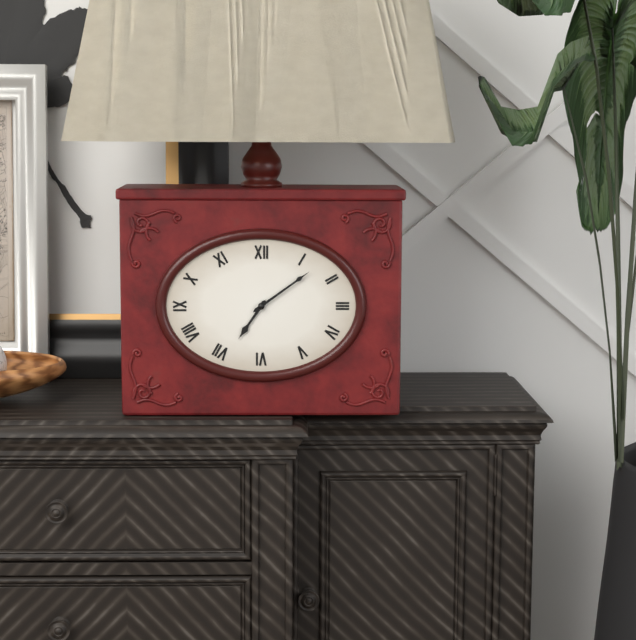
h=7 m=9
